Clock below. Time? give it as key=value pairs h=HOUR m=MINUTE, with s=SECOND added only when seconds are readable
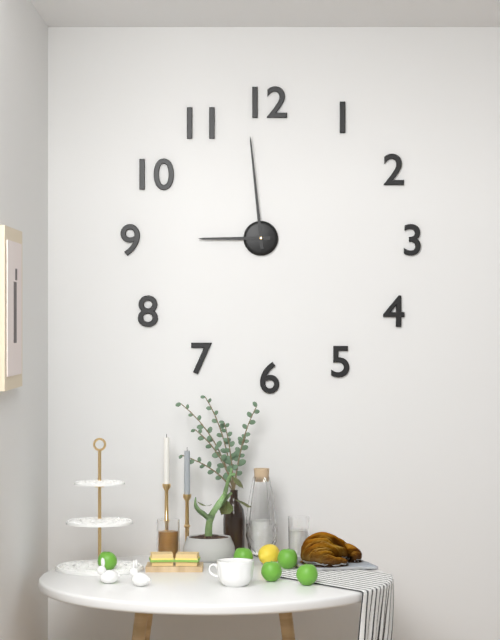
h=8 m=59
